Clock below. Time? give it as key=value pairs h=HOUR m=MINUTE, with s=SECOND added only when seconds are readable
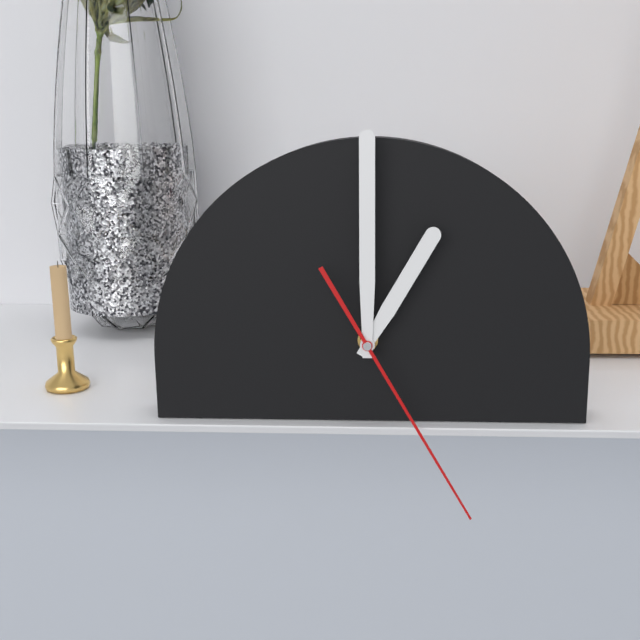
h=1 m=0 s=25
